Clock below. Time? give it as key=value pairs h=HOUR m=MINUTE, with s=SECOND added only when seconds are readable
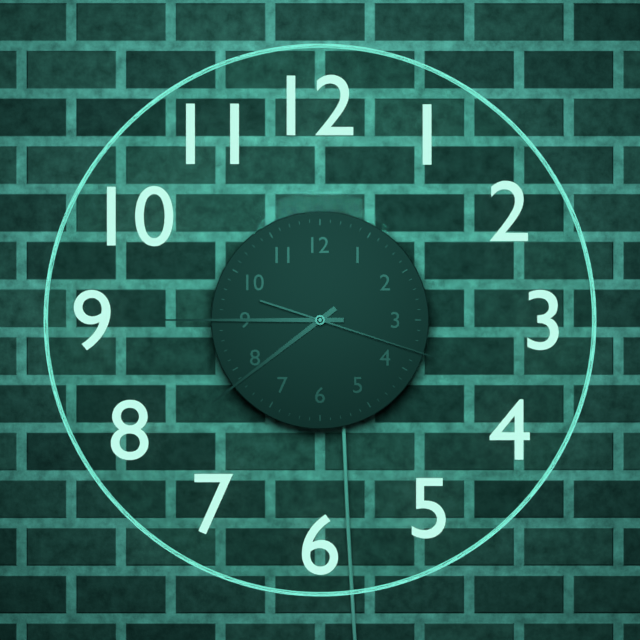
h=7 m=45 s=18
